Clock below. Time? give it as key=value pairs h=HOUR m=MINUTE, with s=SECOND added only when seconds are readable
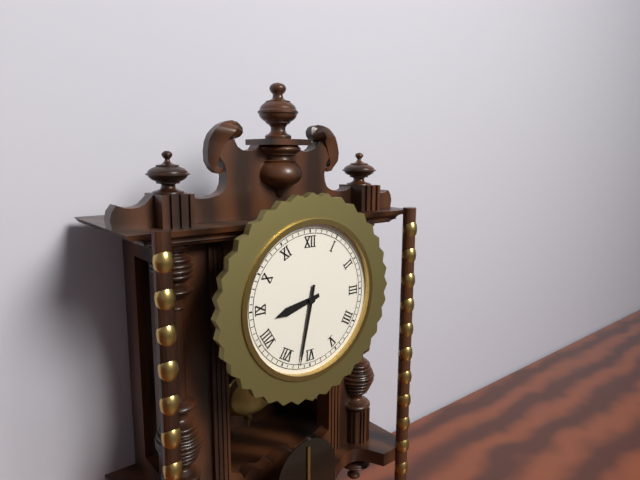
h=8 m=32
